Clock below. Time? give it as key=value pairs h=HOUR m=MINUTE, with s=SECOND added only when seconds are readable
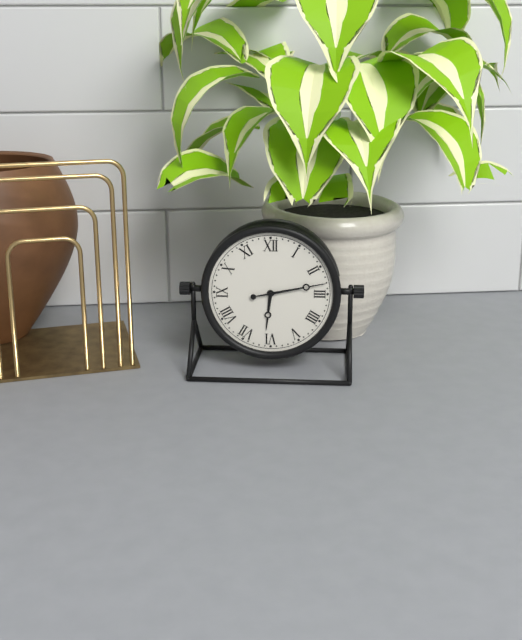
h=6 m=13
